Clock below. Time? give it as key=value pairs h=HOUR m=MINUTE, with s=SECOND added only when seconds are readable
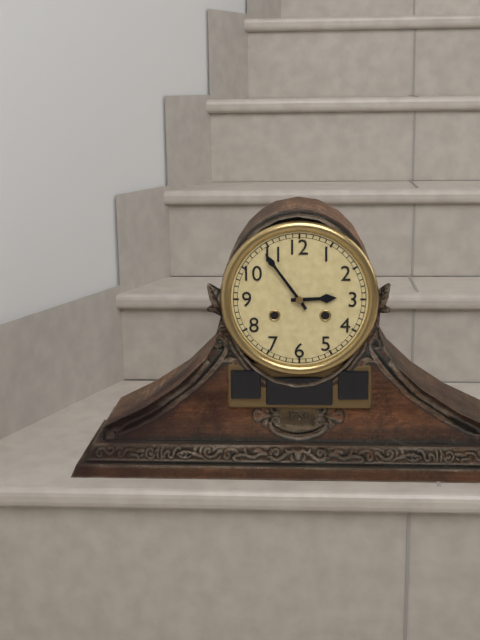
h=2 m=54
